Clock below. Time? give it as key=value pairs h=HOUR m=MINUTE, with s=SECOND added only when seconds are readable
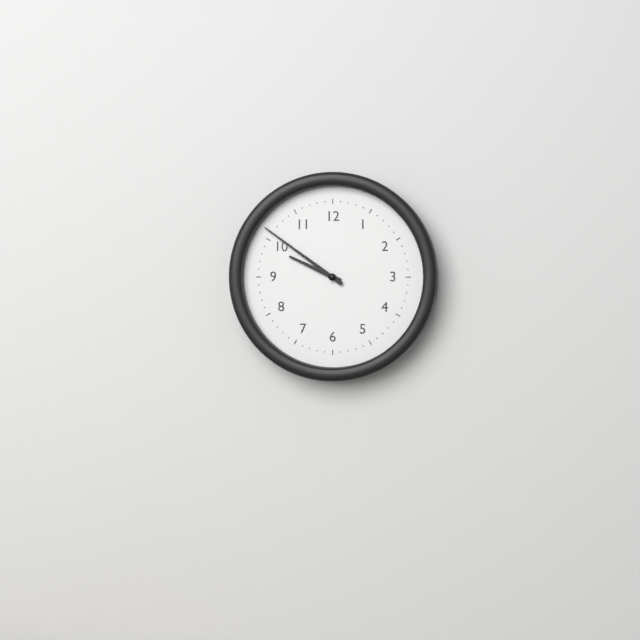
h=9 m=51
